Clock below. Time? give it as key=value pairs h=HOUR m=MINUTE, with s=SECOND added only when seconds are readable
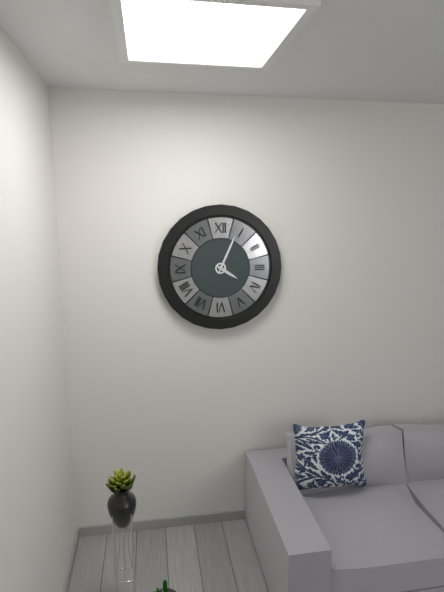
h=4 m=4
